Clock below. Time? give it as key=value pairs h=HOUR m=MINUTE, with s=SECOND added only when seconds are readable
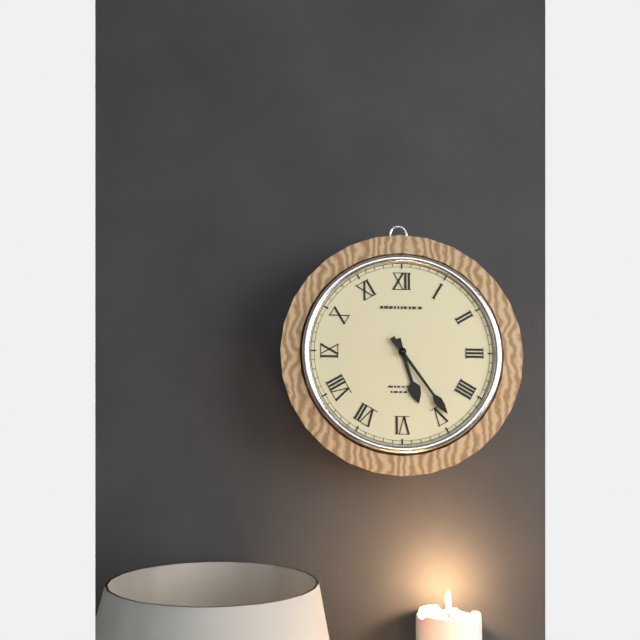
h=5 m=24
